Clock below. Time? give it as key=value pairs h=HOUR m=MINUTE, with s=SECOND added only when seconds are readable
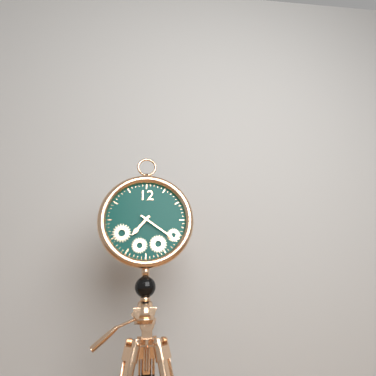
h=7 m=21
